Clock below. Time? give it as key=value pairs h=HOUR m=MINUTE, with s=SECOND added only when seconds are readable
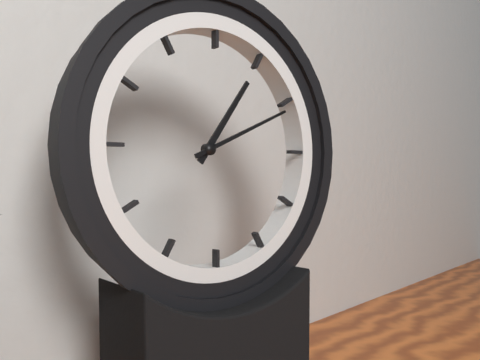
h=1 m=11
